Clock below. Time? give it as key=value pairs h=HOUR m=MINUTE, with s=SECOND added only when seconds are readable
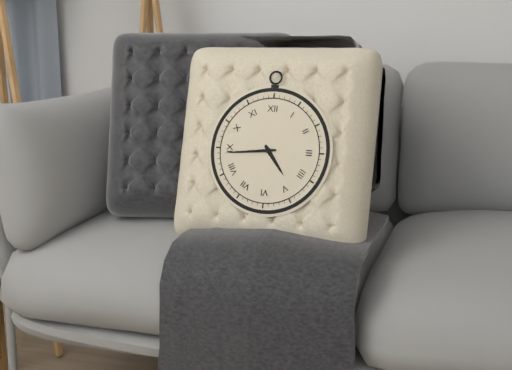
h=4 m=44
